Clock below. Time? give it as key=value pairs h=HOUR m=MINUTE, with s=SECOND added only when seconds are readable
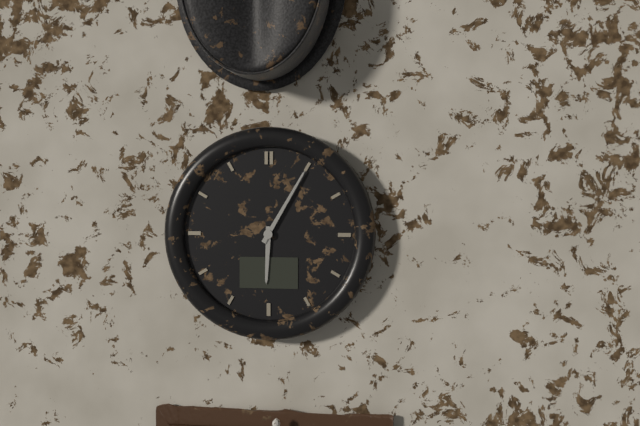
h=6 m=5
